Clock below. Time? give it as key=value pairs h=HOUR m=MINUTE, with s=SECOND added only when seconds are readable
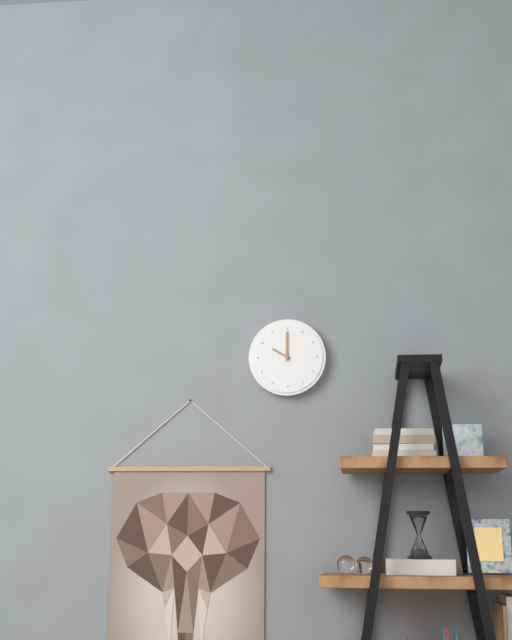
h=10 m=0
